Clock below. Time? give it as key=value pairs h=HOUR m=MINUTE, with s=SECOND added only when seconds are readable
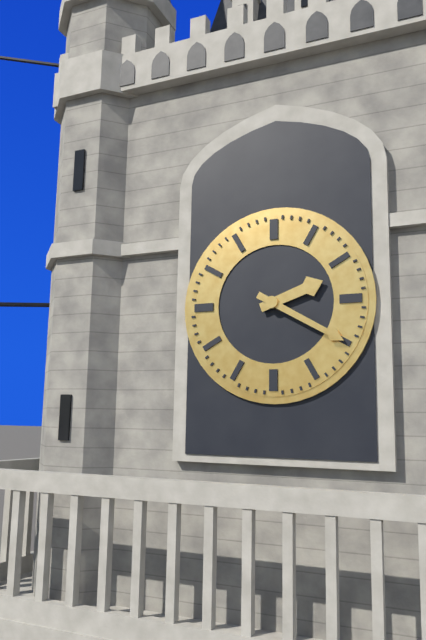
h=2 m=20
